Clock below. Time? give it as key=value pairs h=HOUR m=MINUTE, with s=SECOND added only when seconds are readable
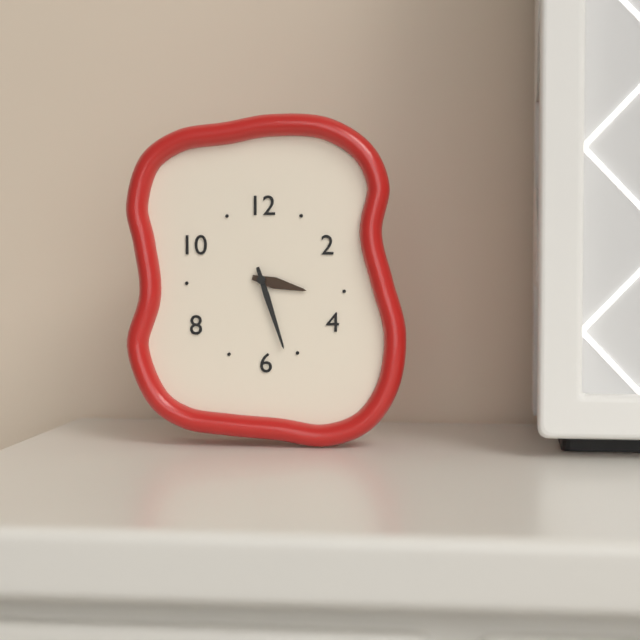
h=3 m=27
